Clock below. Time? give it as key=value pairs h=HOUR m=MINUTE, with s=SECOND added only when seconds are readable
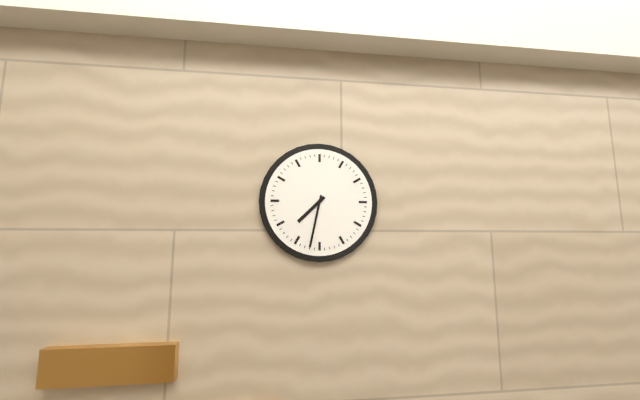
h=7 m=32
